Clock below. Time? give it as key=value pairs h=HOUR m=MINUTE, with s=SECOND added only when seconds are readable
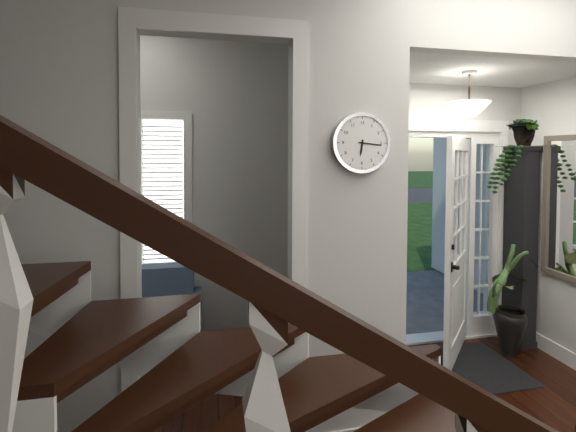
h=6 m=16
